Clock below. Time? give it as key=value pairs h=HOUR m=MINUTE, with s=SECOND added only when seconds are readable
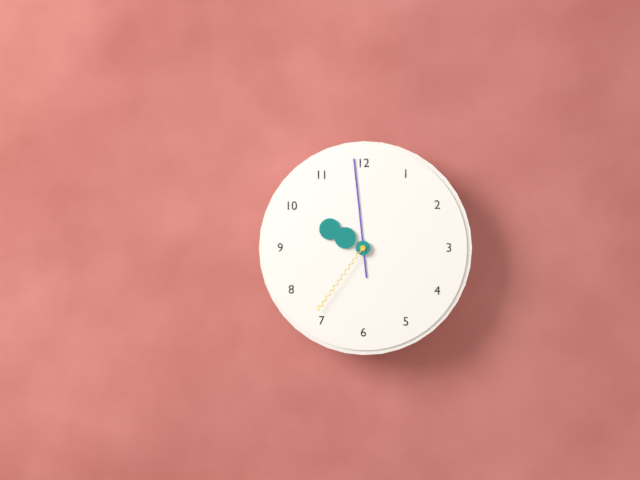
h=9 m=59 s=36
